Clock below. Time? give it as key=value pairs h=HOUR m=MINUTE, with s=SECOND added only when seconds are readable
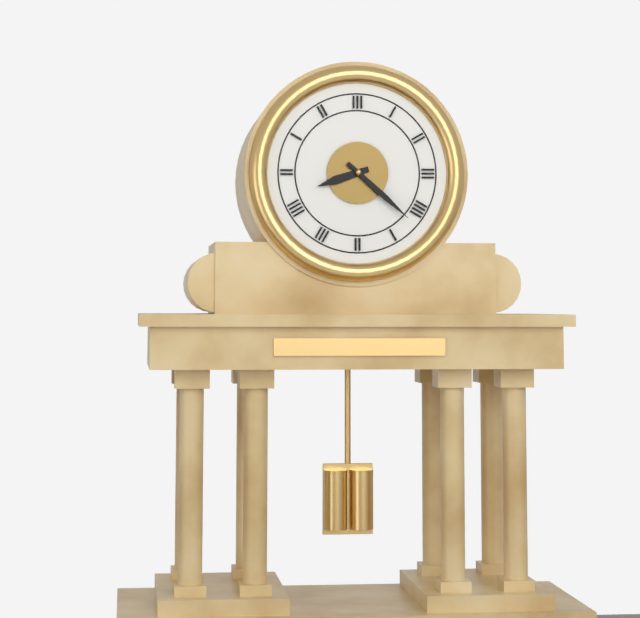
h=8 m=22
